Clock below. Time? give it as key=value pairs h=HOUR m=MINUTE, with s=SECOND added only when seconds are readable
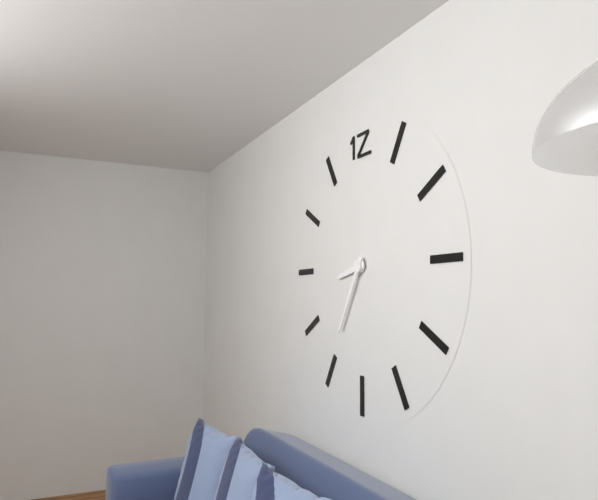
h=8 m=35
